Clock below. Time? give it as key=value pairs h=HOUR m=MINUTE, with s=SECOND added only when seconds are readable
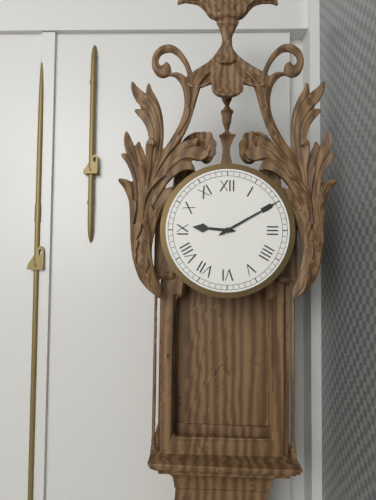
h=9 m=10
